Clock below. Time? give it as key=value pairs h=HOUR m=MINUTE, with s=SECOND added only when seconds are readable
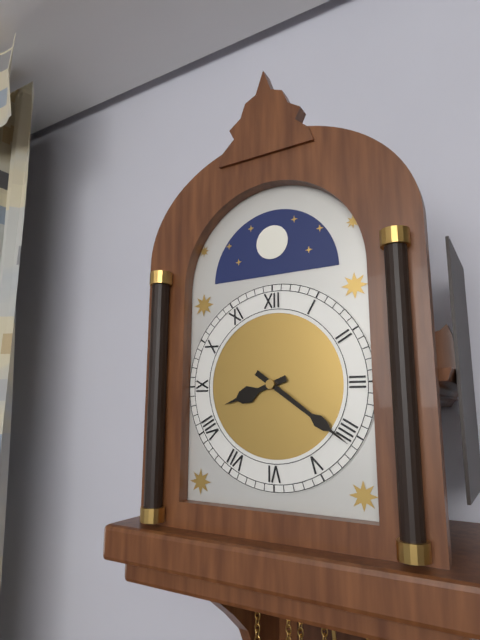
h=8 m=21
